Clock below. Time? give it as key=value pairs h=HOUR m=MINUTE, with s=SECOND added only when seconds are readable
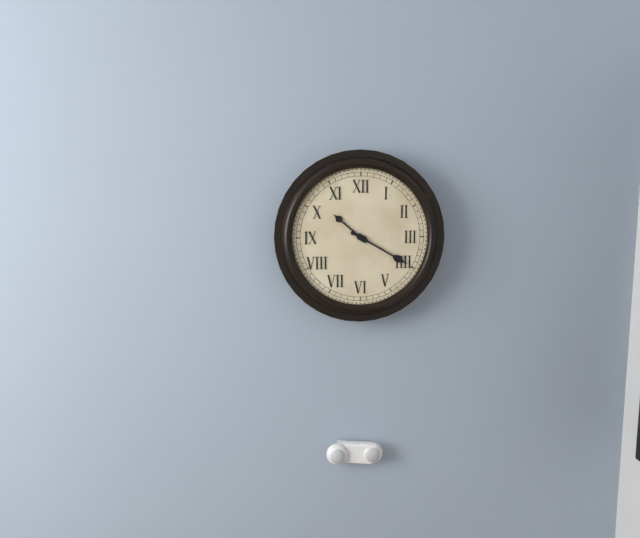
h=10 m=20
